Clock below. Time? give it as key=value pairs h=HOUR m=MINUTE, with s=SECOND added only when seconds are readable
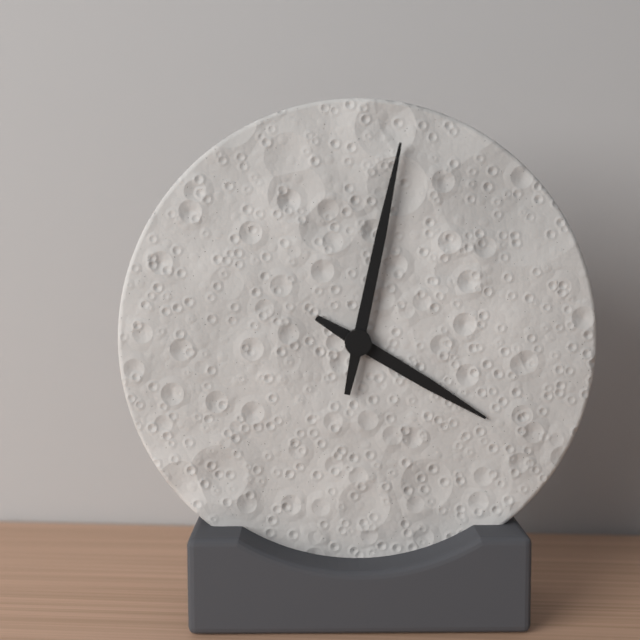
h=4 m=2
